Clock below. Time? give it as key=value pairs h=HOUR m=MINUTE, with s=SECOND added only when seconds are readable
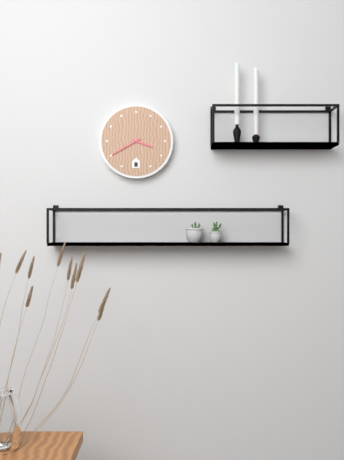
h=3 m=40
